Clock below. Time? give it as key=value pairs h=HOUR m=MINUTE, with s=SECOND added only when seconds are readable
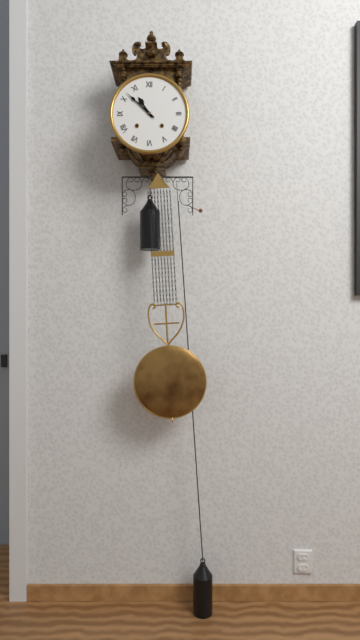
h=10 m=52
